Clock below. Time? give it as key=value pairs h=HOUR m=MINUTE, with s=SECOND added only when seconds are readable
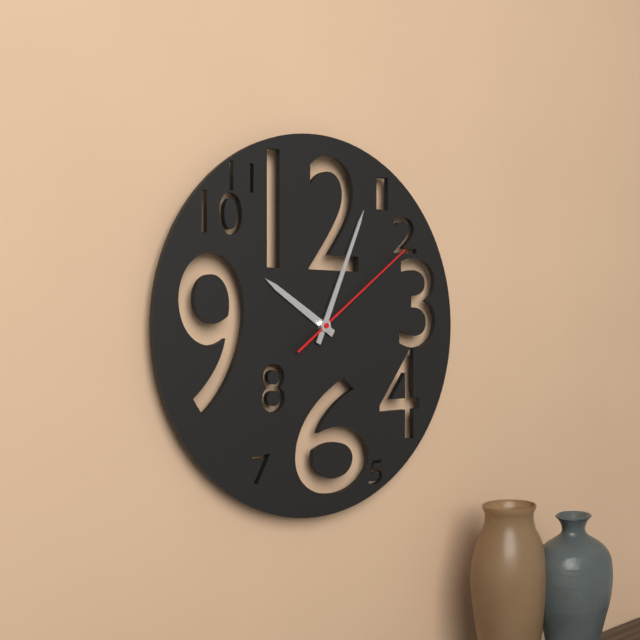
h=10 m=4 s=9
